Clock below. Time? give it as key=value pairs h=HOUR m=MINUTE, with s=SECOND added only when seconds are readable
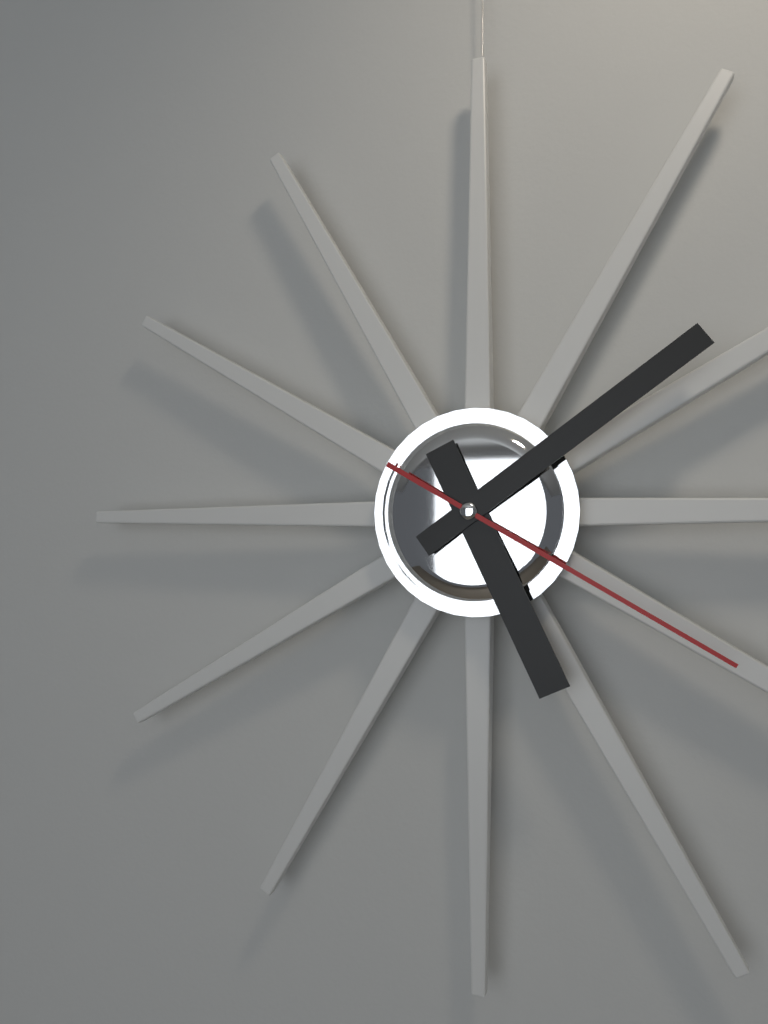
h=5 m=9 s=20
